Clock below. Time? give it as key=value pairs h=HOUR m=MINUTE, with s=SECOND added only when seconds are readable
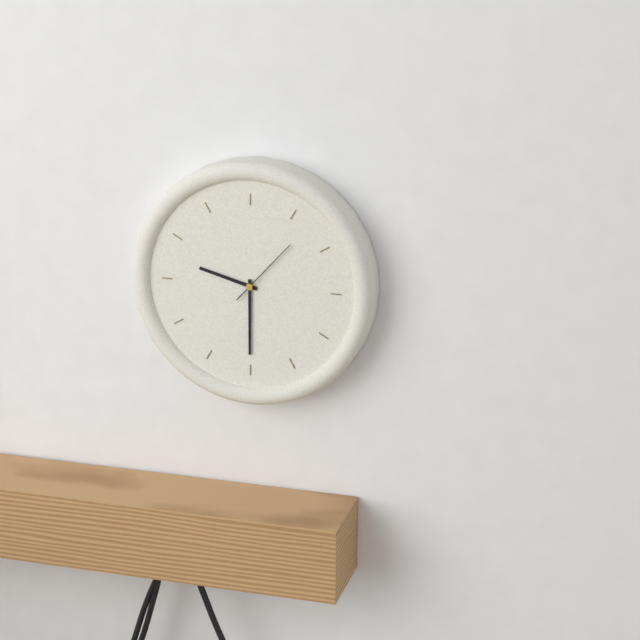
h=9 m=30 s=7
